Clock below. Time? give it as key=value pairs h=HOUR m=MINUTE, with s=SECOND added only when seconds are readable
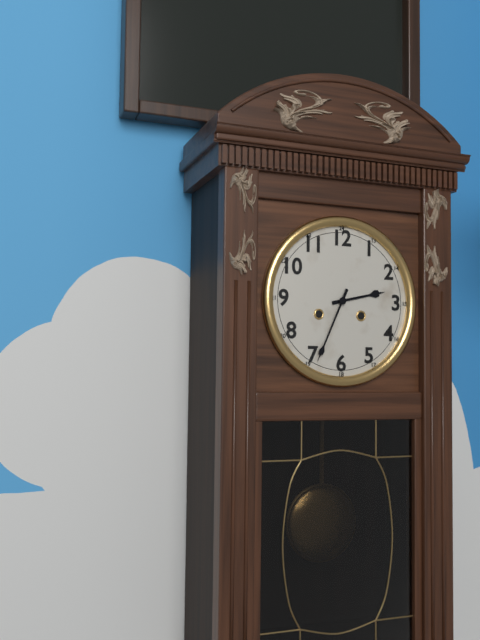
h=2 m=34
